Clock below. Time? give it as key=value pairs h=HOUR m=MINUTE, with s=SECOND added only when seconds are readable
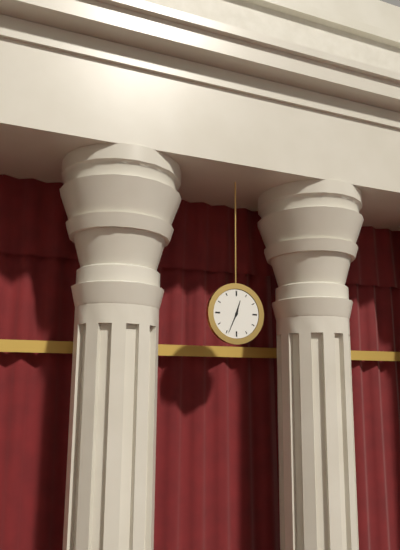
h=12 m=34
